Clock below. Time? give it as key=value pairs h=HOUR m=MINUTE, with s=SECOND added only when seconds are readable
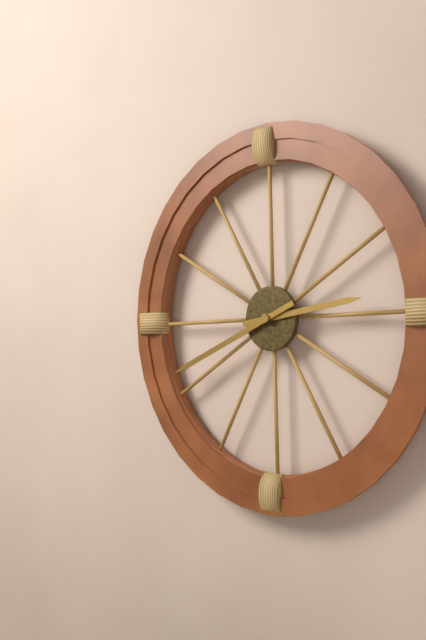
h=2 m=41
